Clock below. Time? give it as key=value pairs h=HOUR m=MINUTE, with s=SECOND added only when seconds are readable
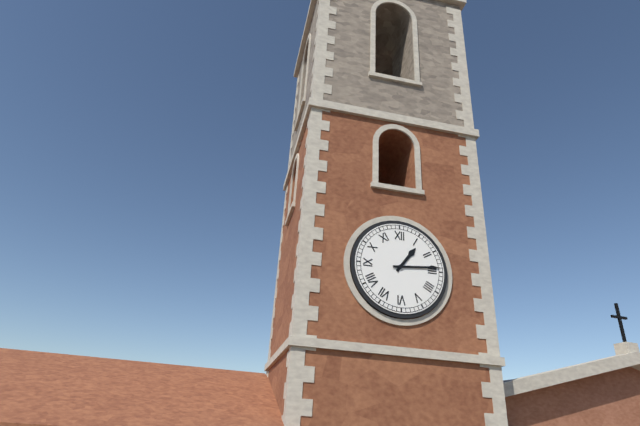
h=1 m=14
